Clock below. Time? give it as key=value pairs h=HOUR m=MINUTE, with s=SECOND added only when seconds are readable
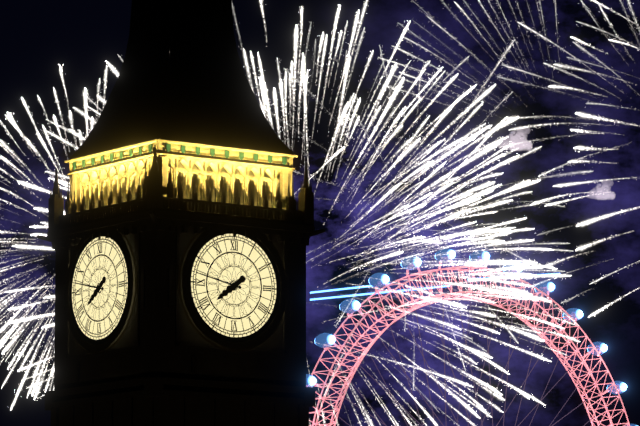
h=7 m=47
